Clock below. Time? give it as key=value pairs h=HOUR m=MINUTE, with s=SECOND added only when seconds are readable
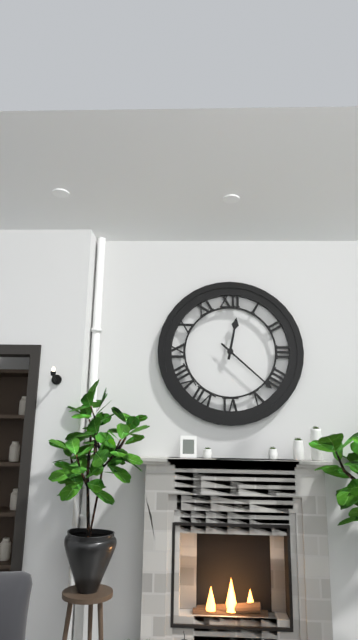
h=12 m=22
